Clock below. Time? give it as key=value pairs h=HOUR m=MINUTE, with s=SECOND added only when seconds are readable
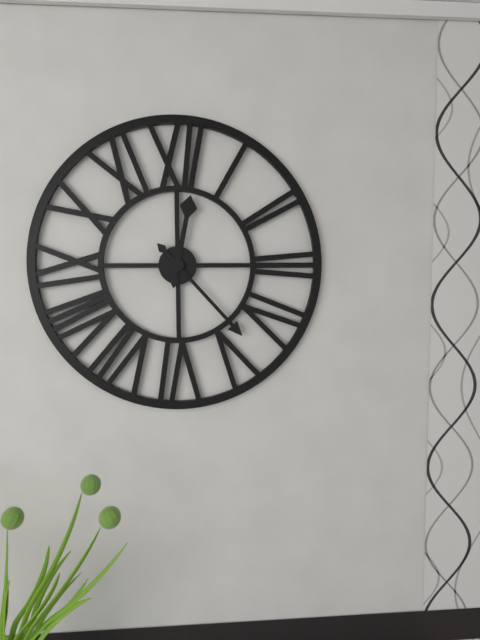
h=12 m=23
